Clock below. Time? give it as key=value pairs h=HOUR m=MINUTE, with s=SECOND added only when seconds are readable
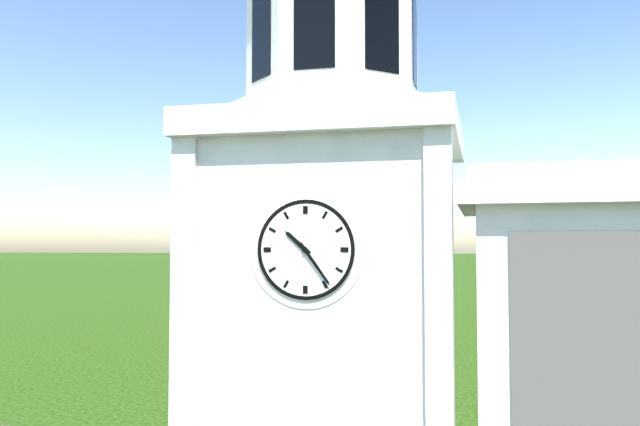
h=10 m=24
